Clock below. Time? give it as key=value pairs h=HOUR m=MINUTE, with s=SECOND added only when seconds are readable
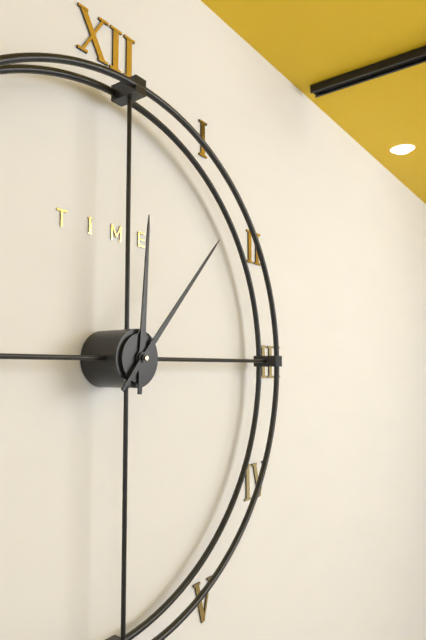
h=12 m=7
